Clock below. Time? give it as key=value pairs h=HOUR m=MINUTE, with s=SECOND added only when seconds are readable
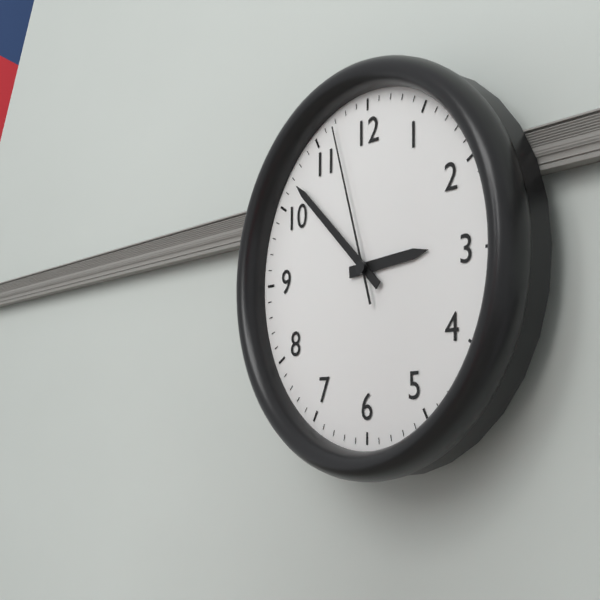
h=2 m=52 s=57
